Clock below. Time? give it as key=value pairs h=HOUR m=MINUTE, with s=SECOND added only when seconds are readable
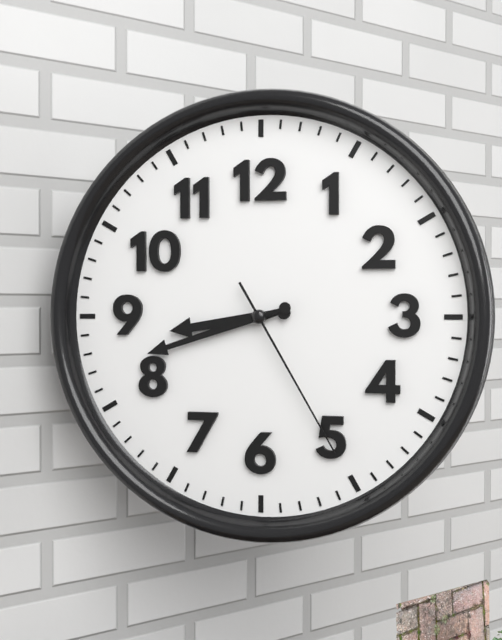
h=8 m=42 s=25
